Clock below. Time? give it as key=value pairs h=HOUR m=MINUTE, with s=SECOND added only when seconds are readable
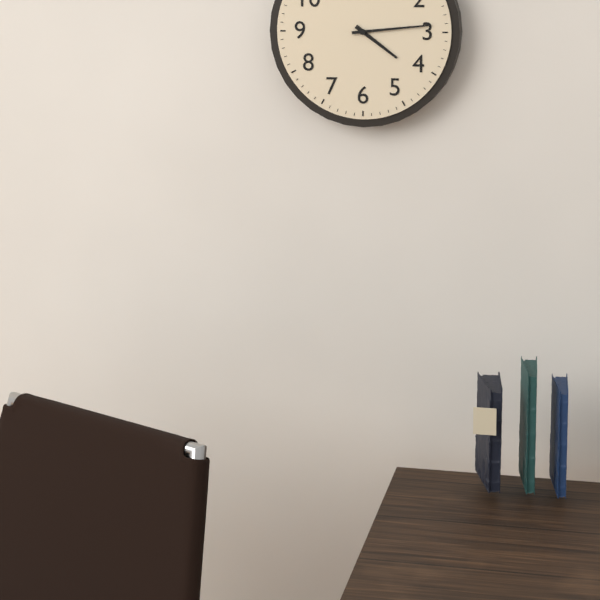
h=4 m=14
